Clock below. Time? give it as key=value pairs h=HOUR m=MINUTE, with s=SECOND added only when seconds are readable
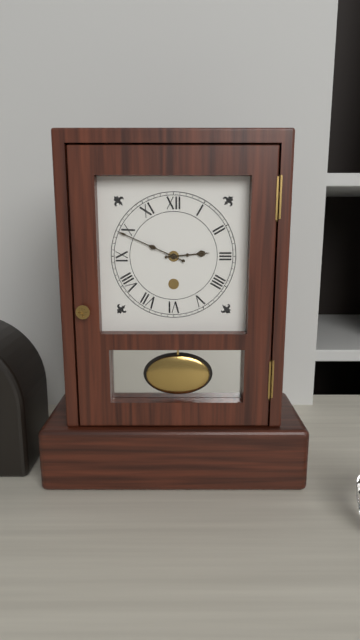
h=2 m=49
